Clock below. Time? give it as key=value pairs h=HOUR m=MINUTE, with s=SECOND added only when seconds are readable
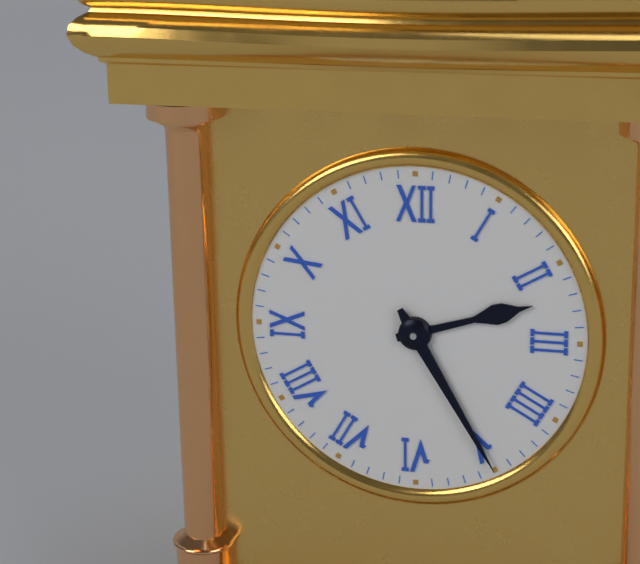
h=2 m=25
